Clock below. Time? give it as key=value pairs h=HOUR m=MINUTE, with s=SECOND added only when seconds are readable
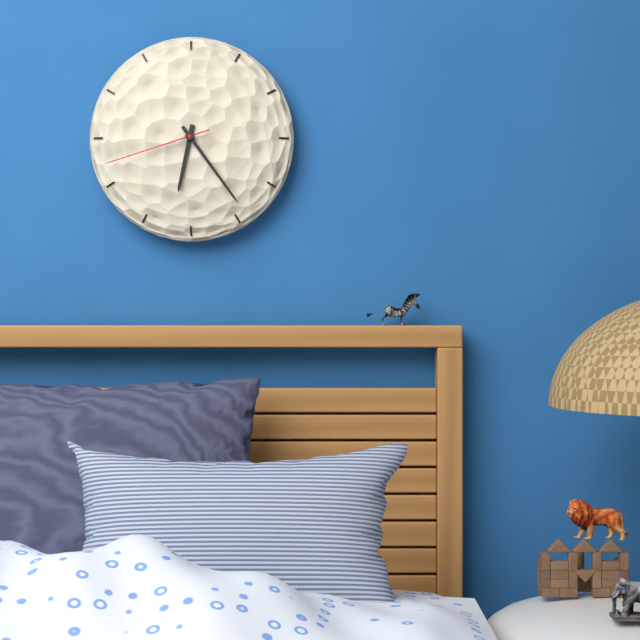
h=6 m=24 s=42
